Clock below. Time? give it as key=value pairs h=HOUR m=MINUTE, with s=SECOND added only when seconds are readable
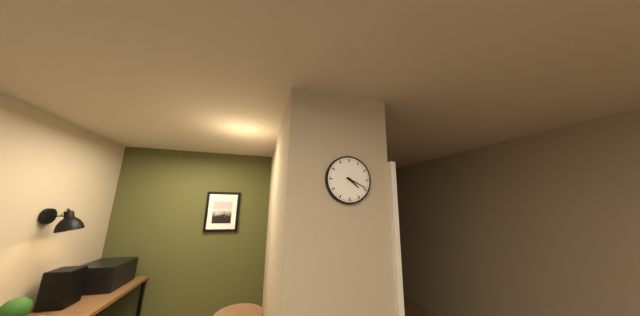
h=4 m=19
